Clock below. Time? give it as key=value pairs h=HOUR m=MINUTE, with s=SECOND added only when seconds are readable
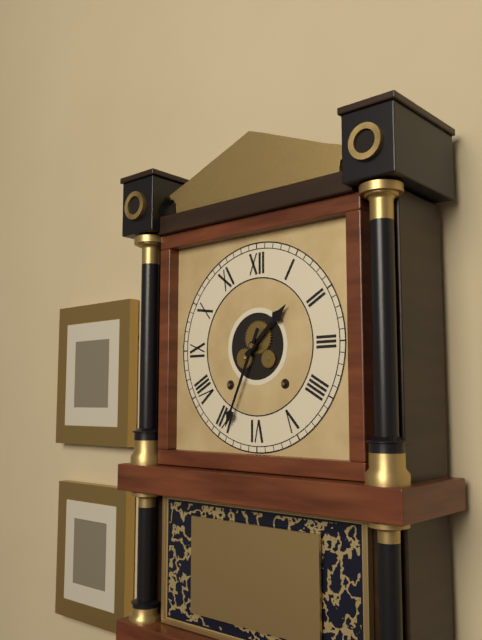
h=1 m=34
